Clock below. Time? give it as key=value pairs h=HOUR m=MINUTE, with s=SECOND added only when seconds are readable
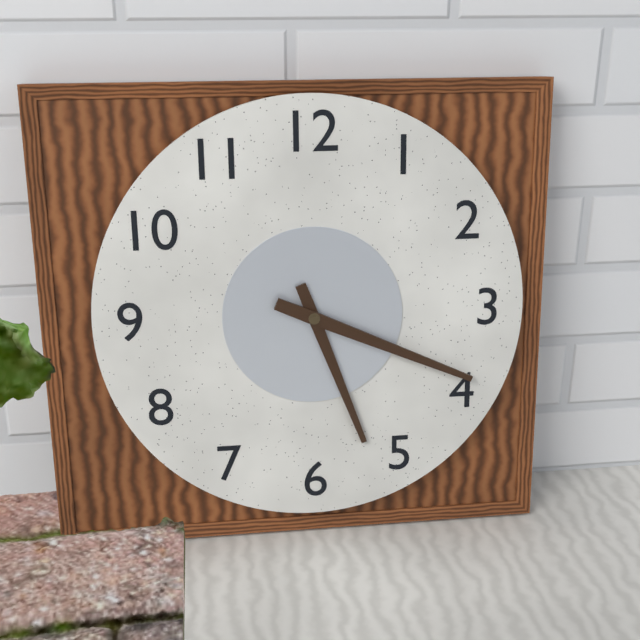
h=5 m=19
